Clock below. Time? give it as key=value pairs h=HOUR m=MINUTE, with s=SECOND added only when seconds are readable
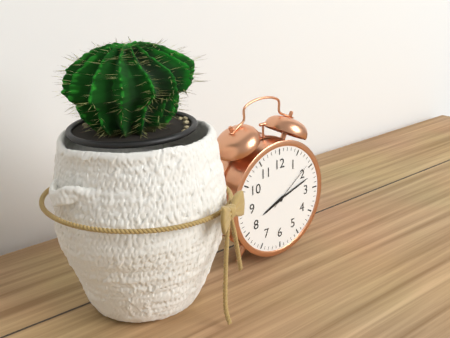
h=8 m=12 s=9
